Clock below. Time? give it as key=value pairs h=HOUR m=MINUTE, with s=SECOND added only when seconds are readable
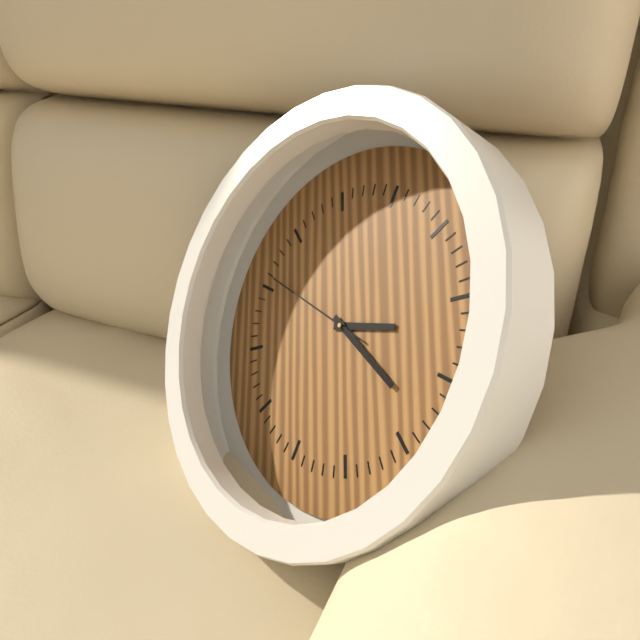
h=3 m=23 s=51
